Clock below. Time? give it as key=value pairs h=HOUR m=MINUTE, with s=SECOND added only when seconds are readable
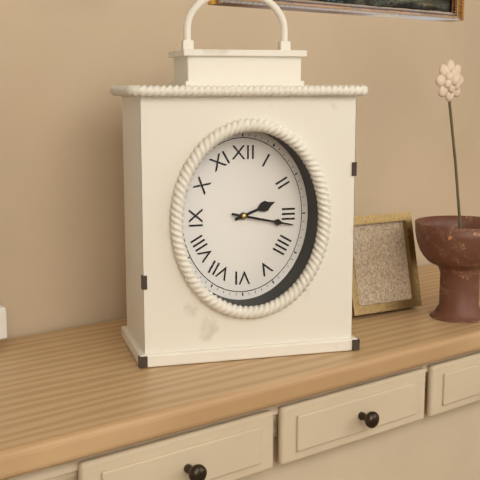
h=2 m=17
